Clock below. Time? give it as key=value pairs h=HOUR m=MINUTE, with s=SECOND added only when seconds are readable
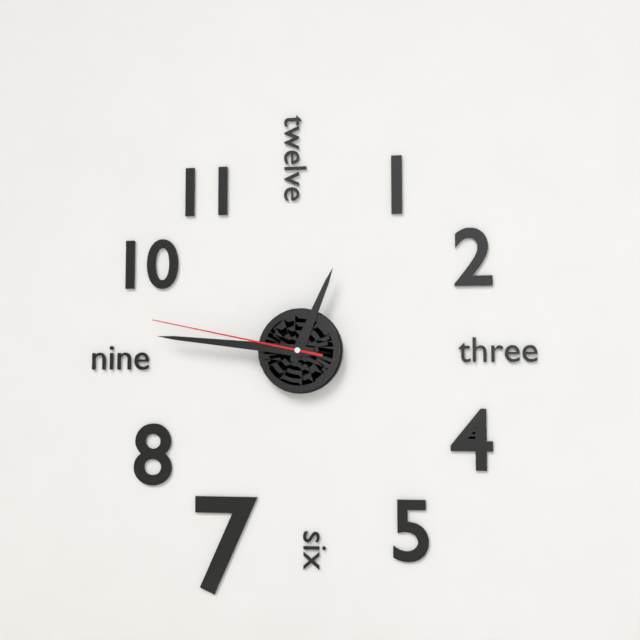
h=12 m=46 s=47
